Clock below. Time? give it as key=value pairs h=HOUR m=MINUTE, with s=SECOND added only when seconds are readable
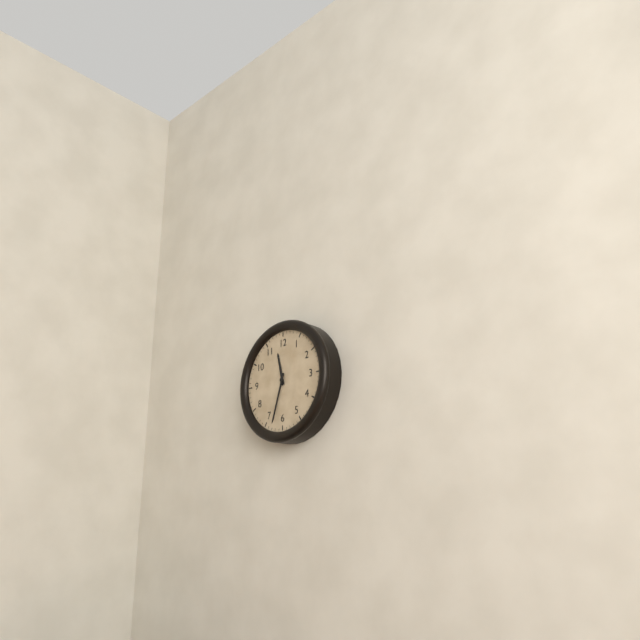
h=11 m=33
